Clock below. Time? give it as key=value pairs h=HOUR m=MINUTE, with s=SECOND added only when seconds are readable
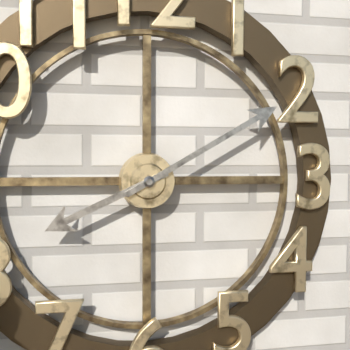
h=8 m=10
